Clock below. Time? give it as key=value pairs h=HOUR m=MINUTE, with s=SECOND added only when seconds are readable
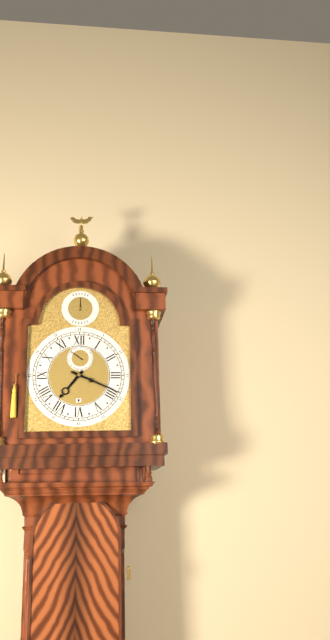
h=7 m=19
